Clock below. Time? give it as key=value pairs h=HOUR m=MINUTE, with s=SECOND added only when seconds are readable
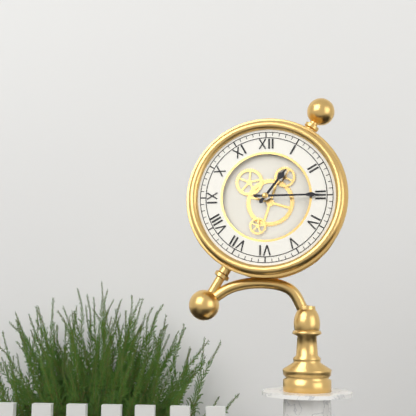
h=1 m=15
